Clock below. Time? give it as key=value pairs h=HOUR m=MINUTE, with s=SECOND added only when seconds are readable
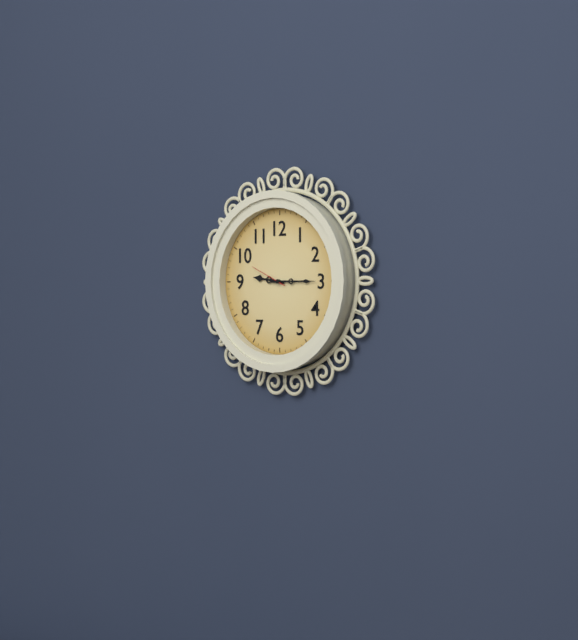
h=9 m=15
